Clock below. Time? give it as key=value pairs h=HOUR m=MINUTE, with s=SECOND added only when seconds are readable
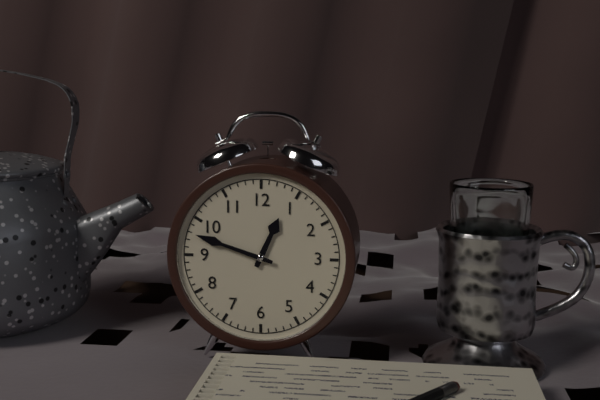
h=12 m=48
